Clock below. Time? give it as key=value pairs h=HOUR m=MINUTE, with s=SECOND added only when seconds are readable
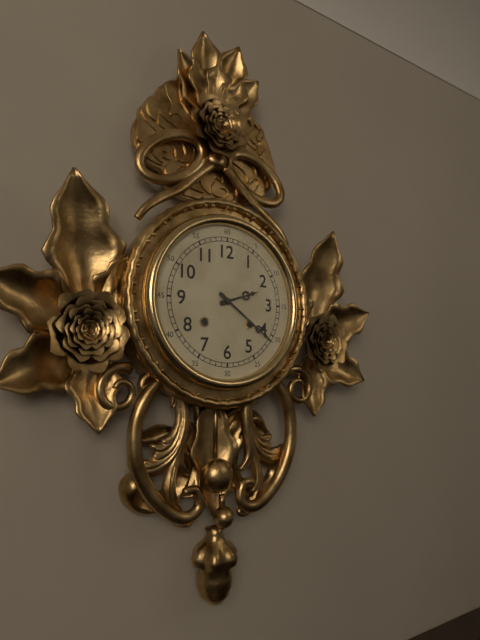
h=2 m=21
